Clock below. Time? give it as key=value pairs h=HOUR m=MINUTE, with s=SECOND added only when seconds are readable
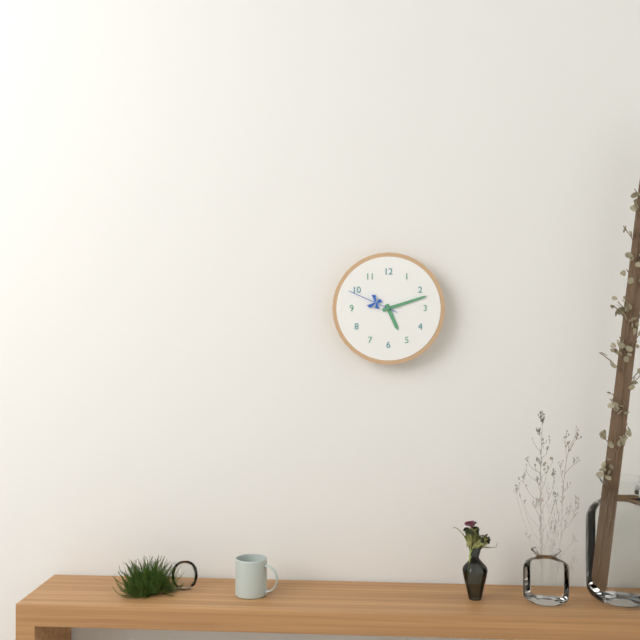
h=5 m=12 s=49
